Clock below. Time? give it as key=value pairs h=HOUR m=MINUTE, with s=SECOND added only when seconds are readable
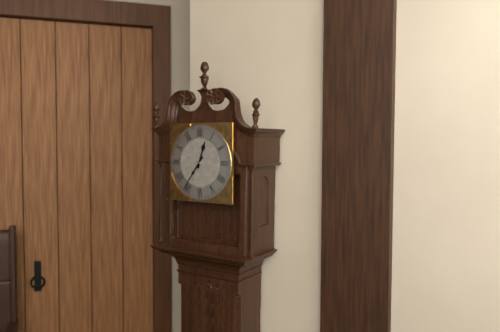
h=12 m=36
